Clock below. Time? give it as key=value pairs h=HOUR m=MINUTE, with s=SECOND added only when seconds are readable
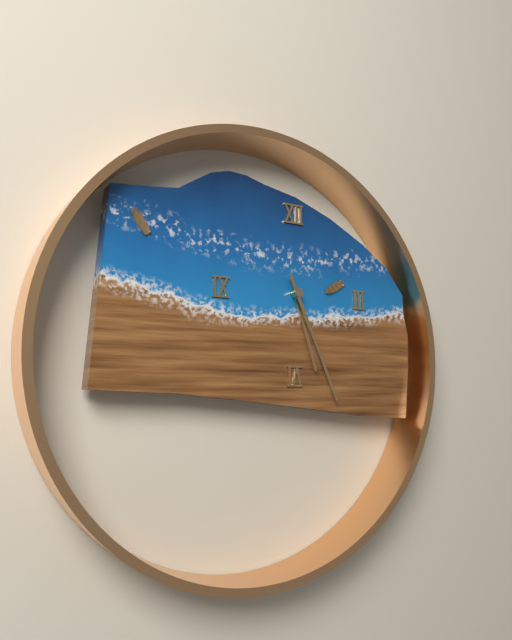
h=5 m=26
